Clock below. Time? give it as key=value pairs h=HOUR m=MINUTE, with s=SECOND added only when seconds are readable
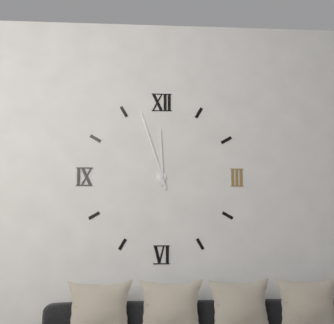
h=11 m=57
